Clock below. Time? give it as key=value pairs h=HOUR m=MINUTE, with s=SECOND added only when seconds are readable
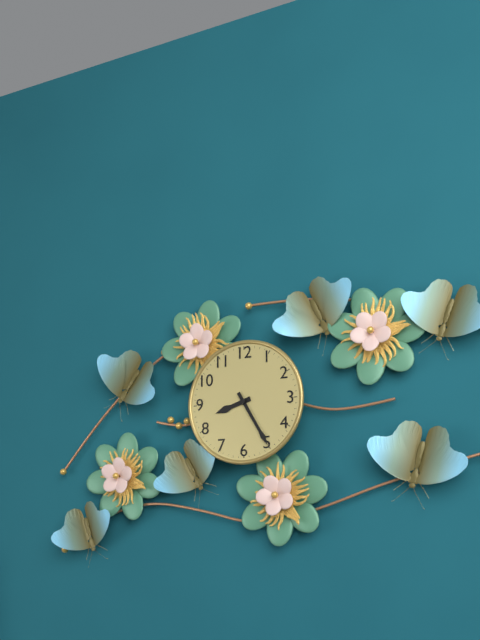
h=8 m=25
